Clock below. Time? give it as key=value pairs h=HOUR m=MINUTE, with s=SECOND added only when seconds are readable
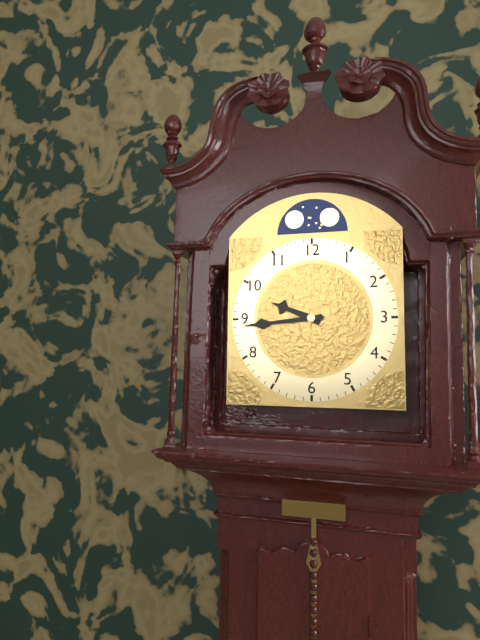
h=9 m=44
